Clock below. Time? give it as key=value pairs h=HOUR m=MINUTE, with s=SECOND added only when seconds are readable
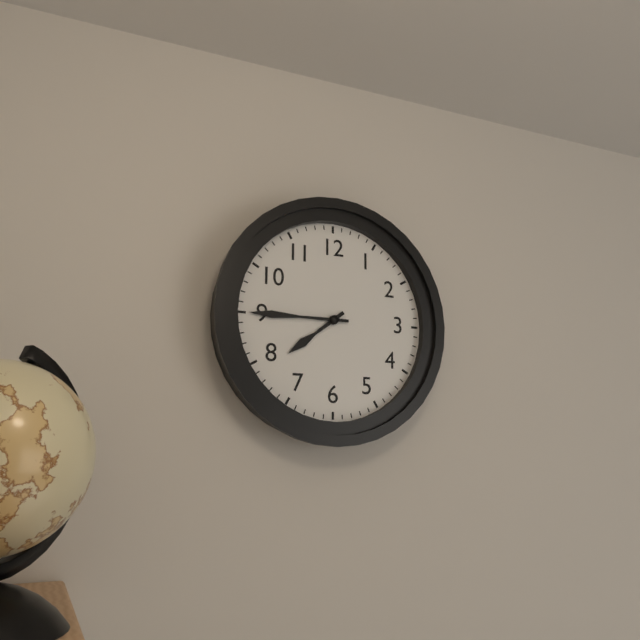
h=7 m=45
